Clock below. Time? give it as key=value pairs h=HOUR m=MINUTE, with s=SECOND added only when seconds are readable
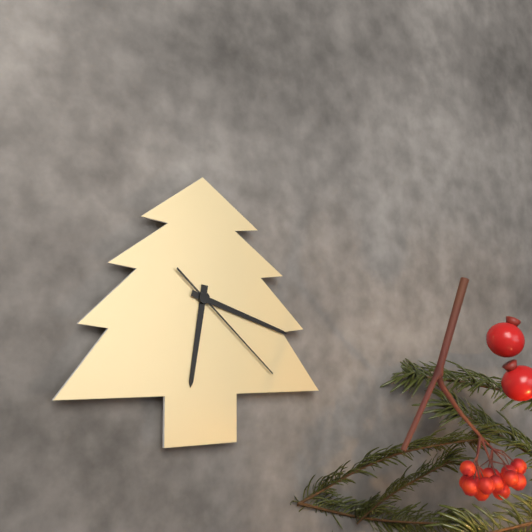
h=6 m=18 s=22
